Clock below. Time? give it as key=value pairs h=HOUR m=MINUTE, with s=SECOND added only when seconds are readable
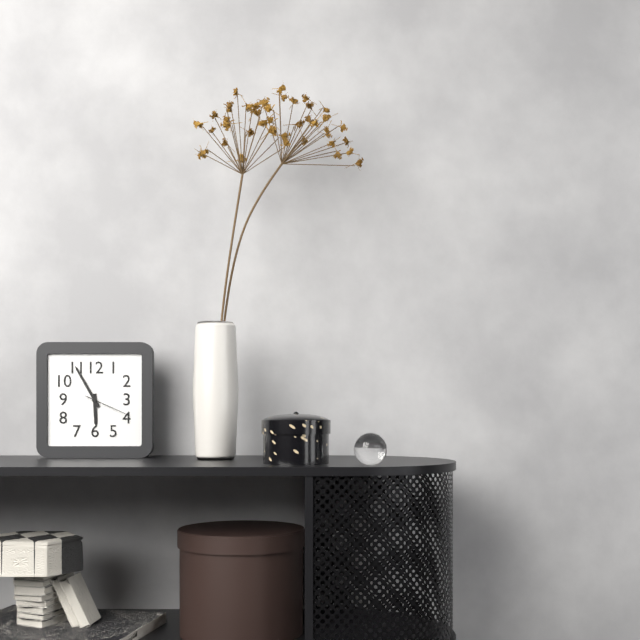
h=5 m=55
